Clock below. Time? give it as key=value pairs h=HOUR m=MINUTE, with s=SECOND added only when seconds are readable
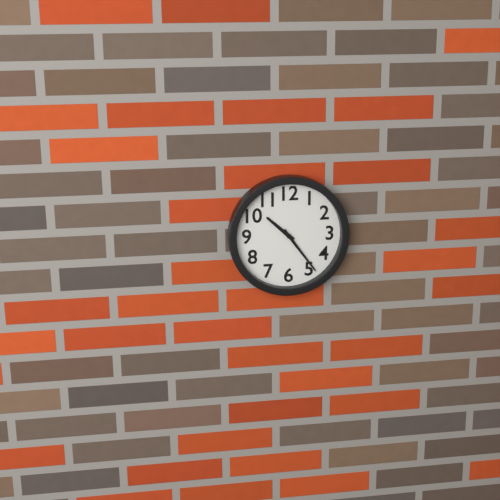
h=10 m=24
